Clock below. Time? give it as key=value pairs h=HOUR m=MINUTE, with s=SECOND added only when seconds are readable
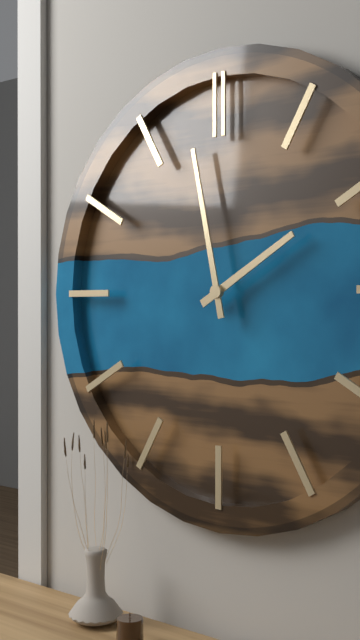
h=1 m=58
